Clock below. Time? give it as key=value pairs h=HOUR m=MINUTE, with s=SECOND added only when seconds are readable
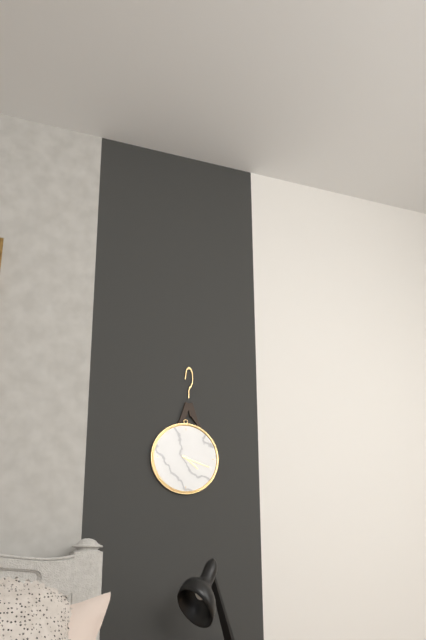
h=4 m=18
